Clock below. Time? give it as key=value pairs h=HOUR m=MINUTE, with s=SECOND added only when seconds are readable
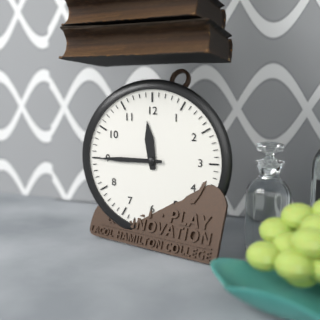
h=11 m=45
